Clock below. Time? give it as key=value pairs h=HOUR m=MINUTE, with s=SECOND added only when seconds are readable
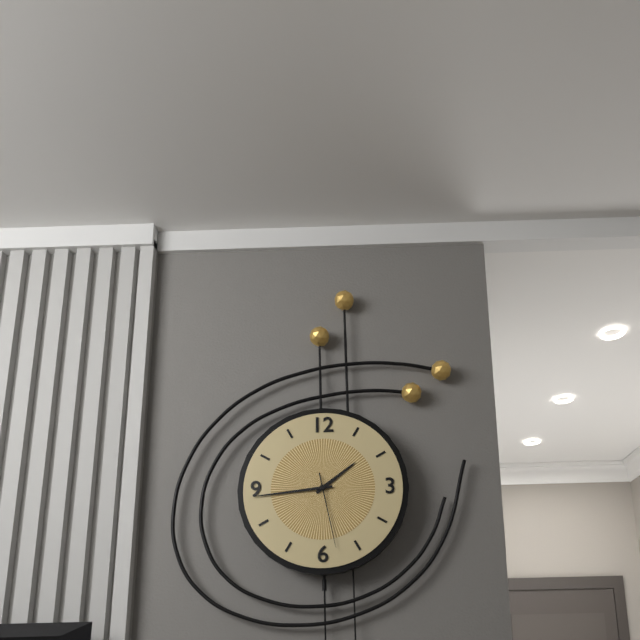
h=1 m=44 s=28
